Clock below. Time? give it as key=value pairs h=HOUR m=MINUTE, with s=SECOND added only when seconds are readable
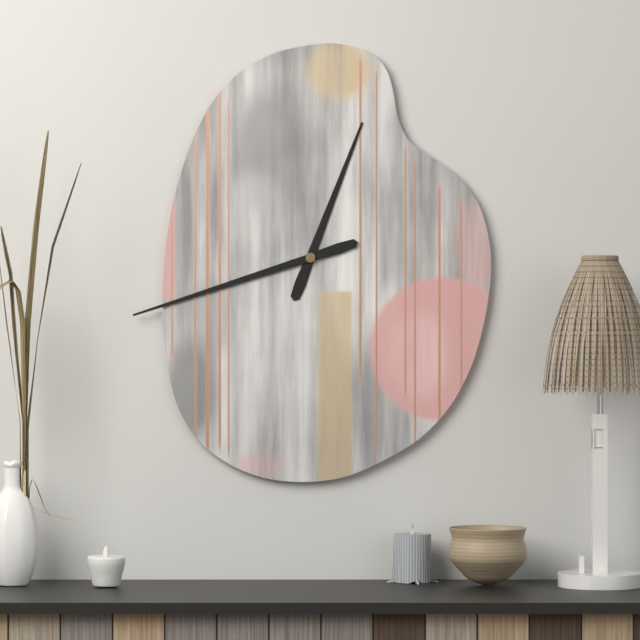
h=12 m=42
